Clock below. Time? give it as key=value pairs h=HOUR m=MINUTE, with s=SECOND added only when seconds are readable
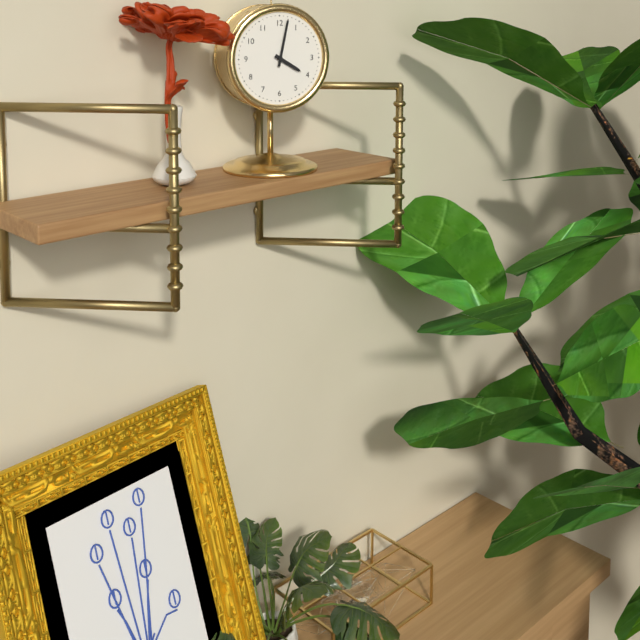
h=4 m=2
